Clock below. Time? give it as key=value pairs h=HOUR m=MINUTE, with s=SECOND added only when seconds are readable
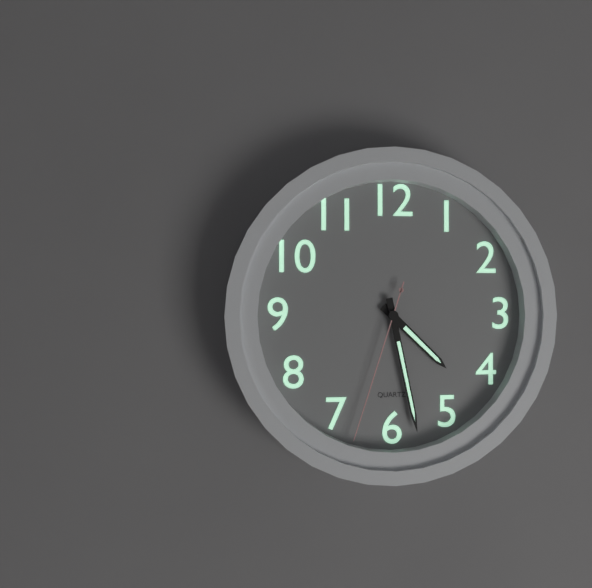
h=4 m=28 s=33
